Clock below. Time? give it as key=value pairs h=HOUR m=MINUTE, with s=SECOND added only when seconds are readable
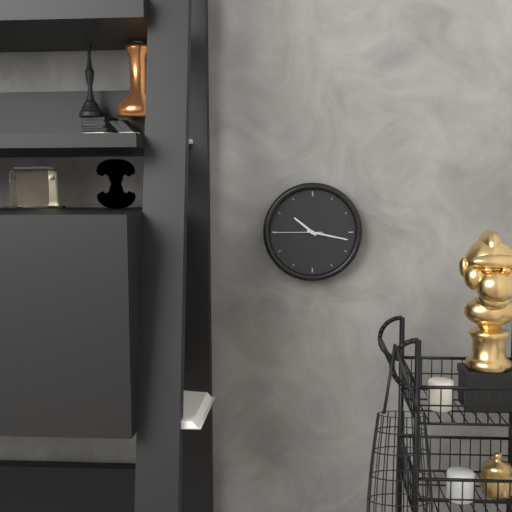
h=10 m=17
